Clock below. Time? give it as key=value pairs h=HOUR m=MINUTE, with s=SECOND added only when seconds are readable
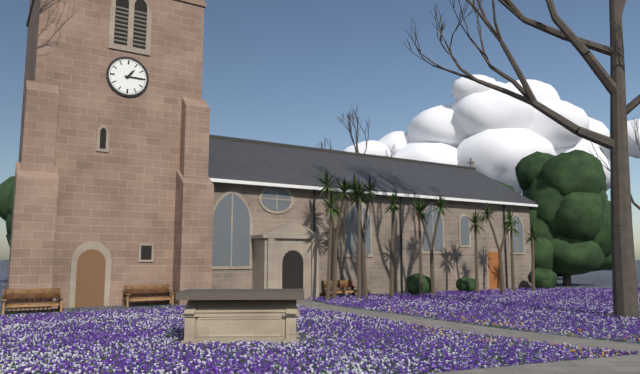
h=1 m=15
